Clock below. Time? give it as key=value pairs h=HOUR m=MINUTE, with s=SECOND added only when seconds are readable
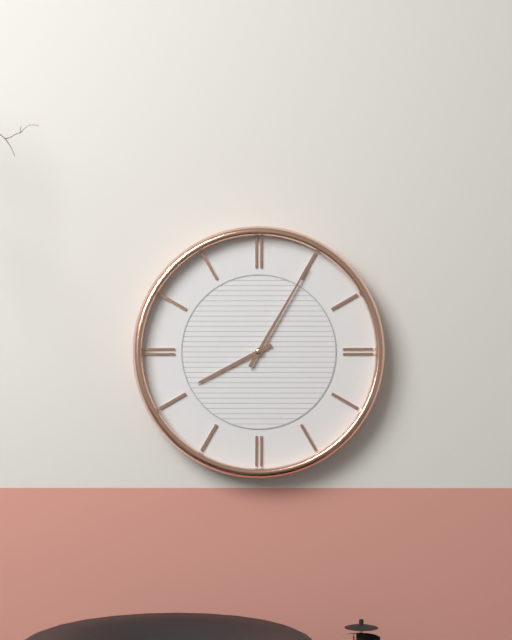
h=8 m=5
